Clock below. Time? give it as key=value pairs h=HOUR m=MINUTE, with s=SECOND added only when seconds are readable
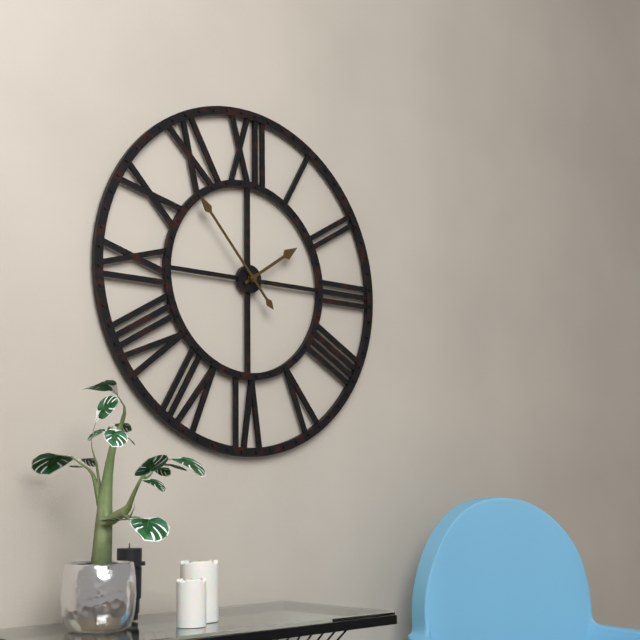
h=1 m=53
